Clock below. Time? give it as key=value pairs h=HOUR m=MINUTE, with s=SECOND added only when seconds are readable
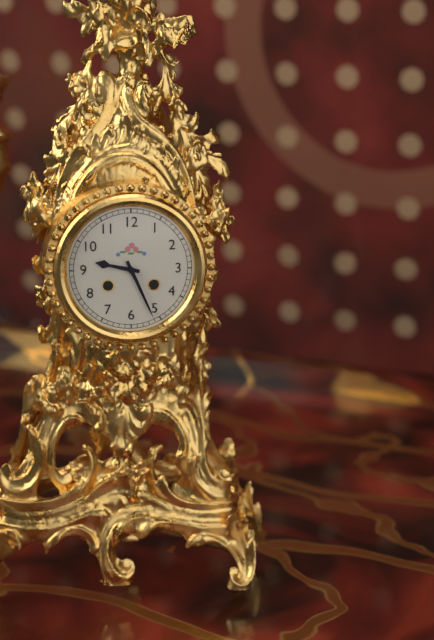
h=9 m=26
